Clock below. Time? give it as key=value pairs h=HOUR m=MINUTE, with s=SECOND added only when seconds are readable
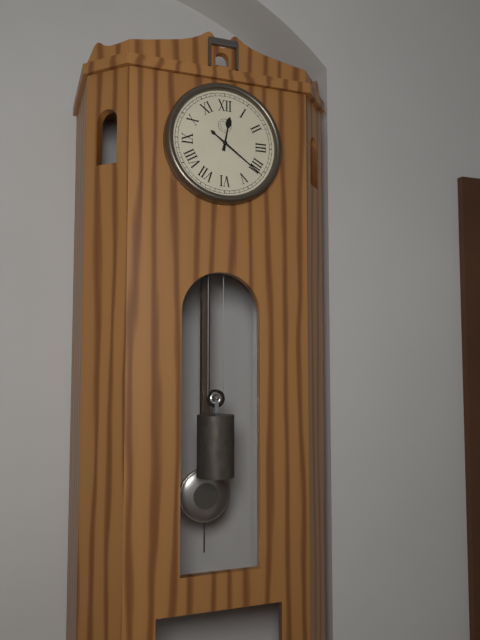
h=12 m=21
